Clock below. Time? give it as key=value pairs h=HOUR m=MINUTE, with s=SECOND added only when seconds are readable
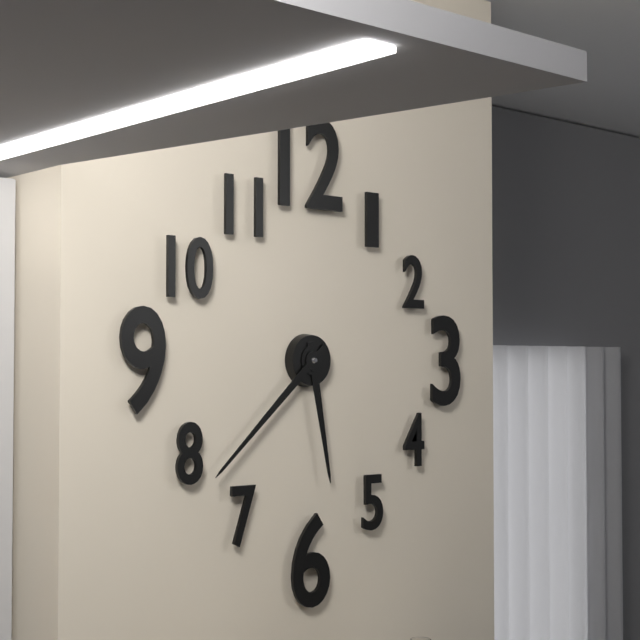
h=5 m=38
